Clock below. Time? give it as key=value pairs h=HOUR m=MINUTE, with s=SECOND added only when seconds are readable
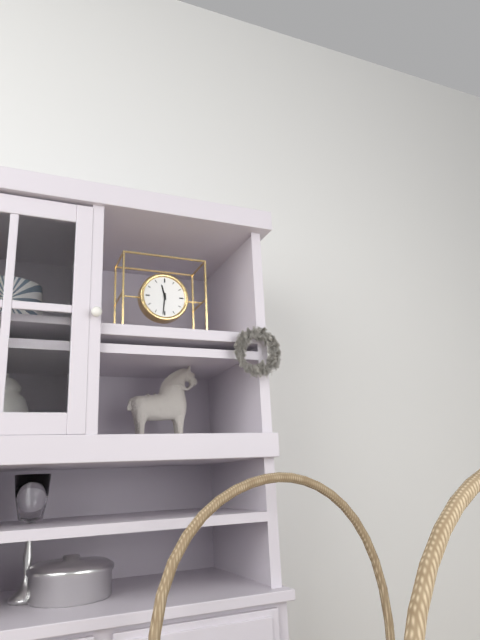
h=11 m=31
